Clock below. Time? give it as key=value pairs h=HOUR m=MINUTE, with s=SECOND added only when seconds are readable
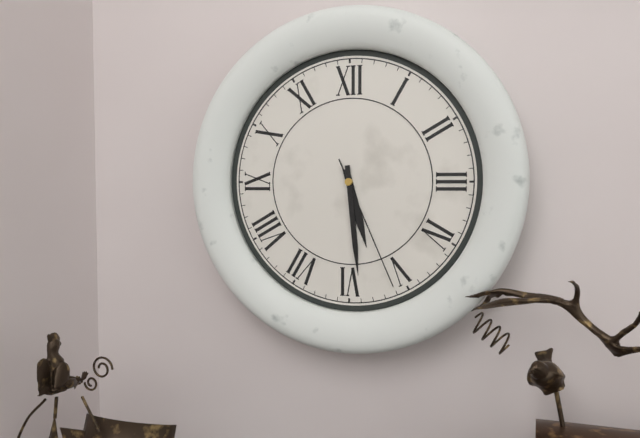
h=5 m=29 s=26
